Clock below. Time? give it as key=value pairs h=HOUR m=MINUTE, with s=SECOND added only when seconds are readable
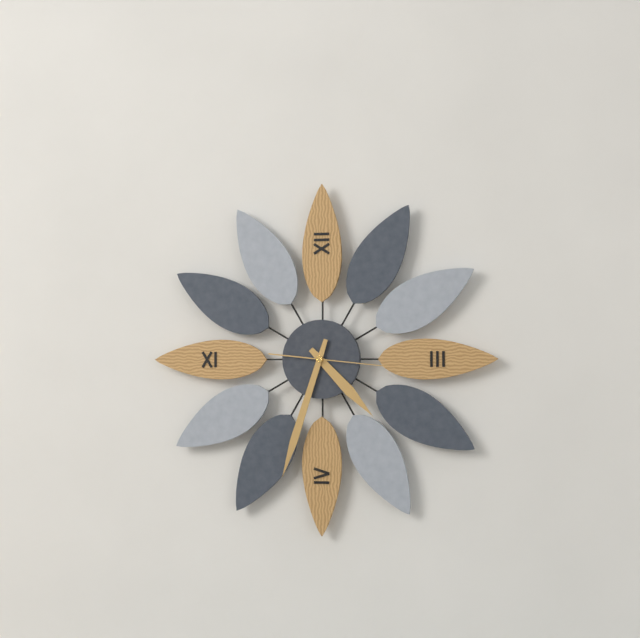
h=4 m=33 s=16
